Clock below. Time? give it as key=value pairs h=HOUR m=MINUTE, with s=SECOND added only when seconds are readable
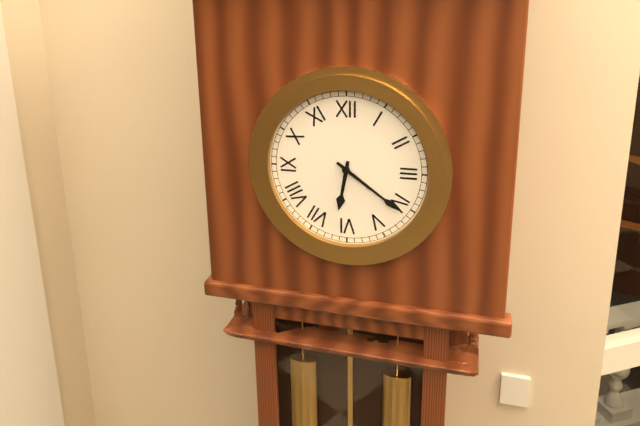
h=6 m=21
